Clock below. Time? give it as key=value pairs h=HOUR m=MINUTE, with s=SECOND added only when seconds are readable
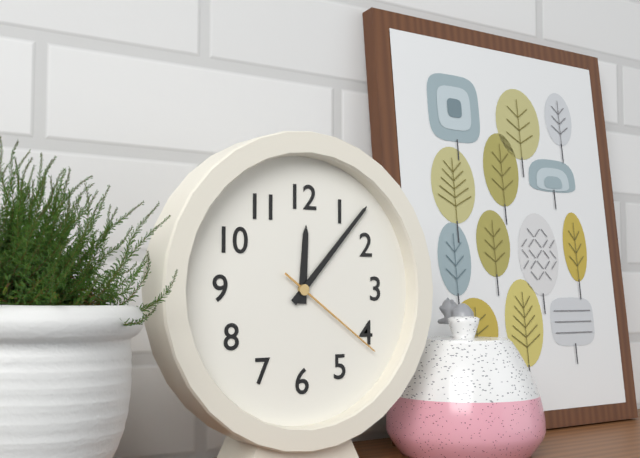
h=12 m=7 s=21
